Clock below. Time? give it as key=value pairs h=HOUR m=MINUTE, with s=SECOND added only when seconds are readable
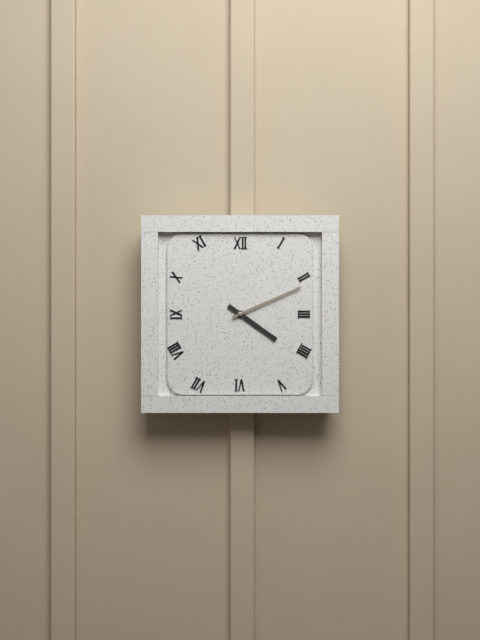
h=4 m=11
